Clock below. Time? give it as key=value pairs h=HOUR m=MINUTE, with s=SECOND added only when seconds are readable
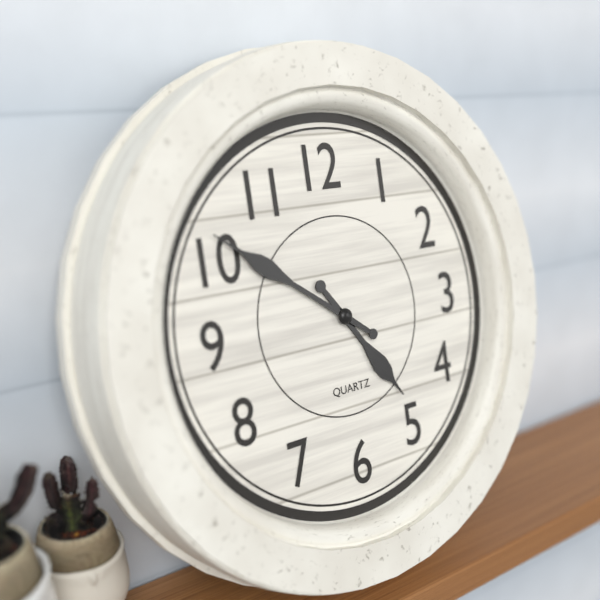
h=4 m=51
